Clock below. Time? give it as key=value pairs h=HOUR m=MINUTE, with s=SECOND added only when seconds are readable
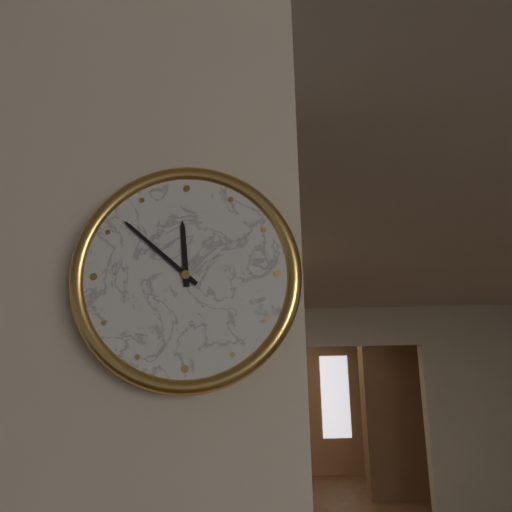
h=11 m=52
